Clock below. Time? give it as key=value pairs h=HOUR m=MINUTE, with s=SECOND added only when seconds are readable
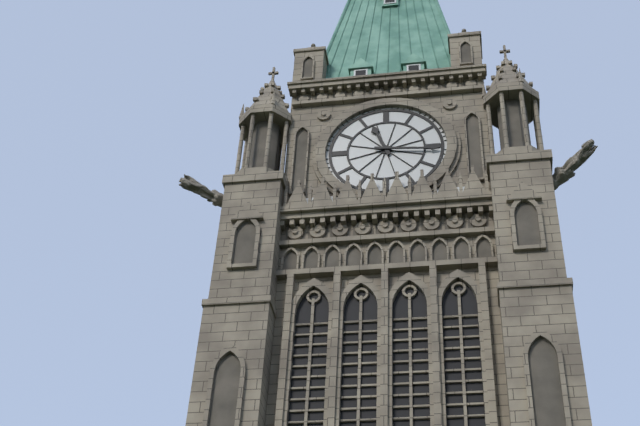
h=11 m=16
